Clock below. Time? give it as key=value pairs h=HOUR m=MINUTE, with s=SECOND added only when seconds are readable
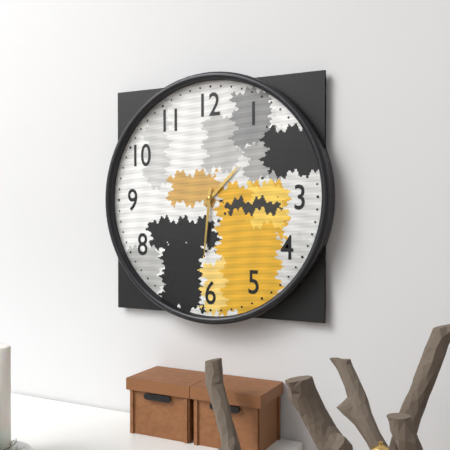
h=1 m=31
